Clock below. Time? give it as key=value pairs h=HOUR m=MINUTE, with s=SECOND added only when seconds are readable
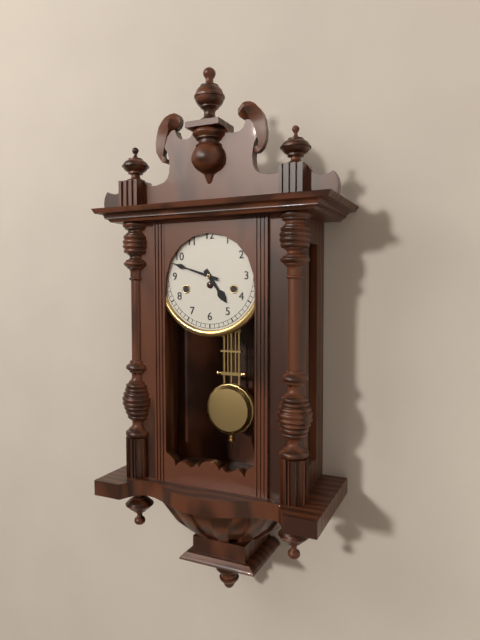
h=4 m=48
